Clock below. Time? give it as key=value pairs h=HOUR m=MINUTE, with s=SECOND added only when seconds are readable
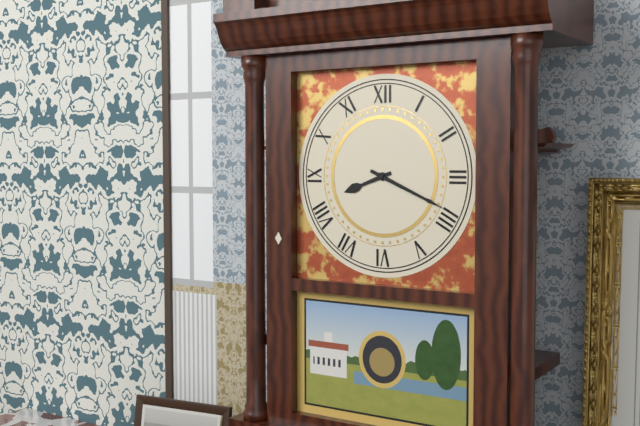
h=8 m=19
